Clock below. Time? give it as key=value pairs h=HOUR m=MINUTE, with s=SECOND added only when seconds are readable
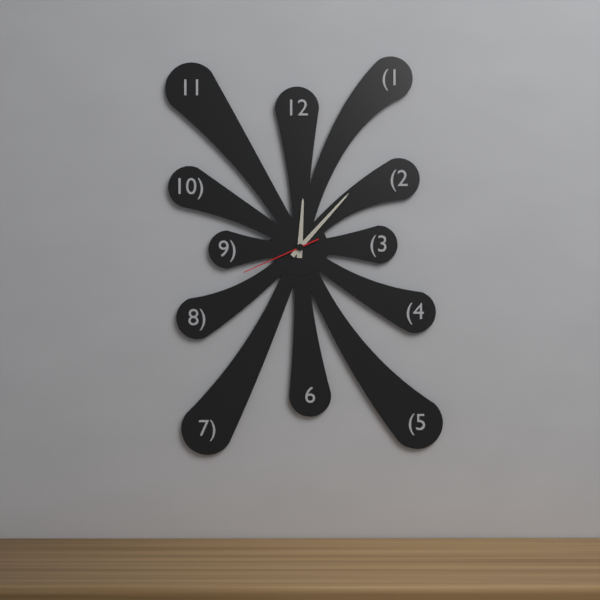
h=12 m=7 s=41
